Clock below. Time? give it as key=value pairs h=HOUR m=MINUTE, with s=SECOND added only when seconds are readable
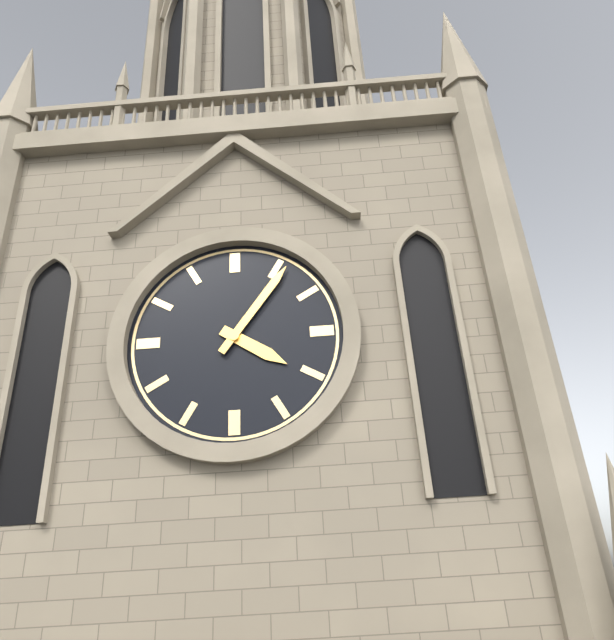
h=4 m=6
